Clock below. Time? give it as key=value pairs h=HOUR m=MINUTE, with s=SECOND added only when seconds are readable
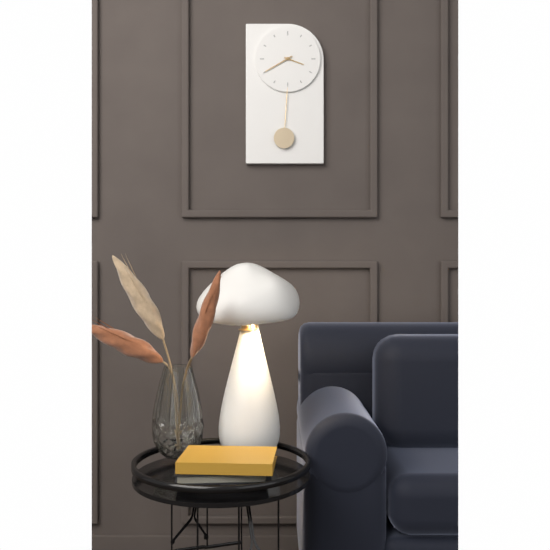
h=3 m=40
